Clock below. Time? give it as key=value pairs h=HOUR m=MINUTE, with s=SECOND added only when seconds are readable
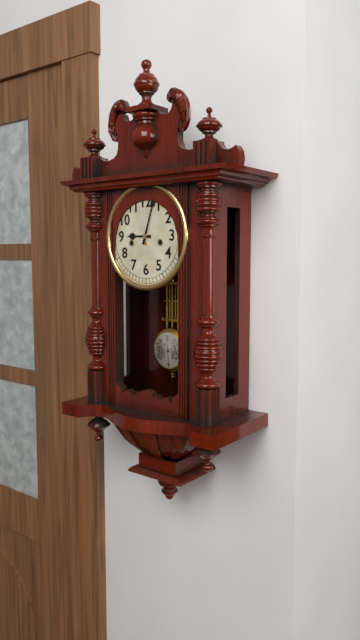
h=9 m=3
